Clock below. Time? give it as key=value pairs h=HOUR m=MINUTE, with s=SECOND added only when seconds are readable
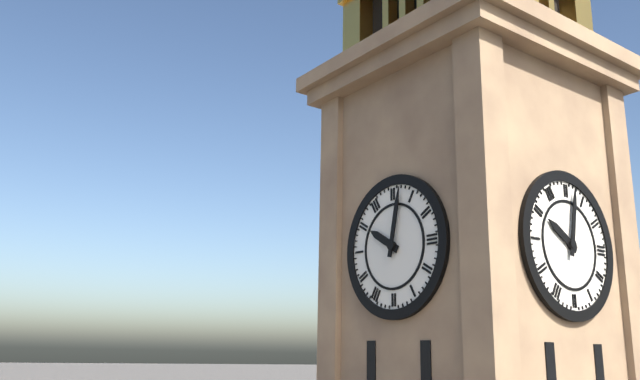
h=10 m=2
